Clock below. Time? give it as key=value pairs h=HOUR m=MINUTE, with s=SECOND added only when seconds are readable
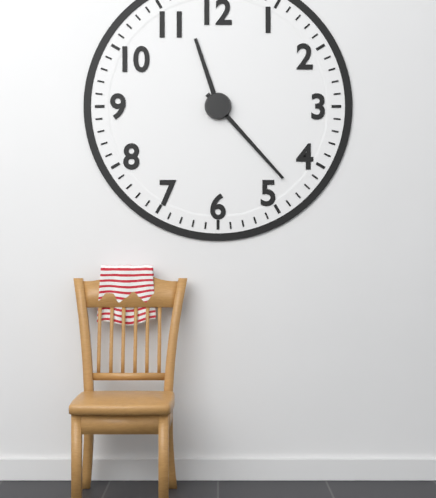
h=11 m=23
